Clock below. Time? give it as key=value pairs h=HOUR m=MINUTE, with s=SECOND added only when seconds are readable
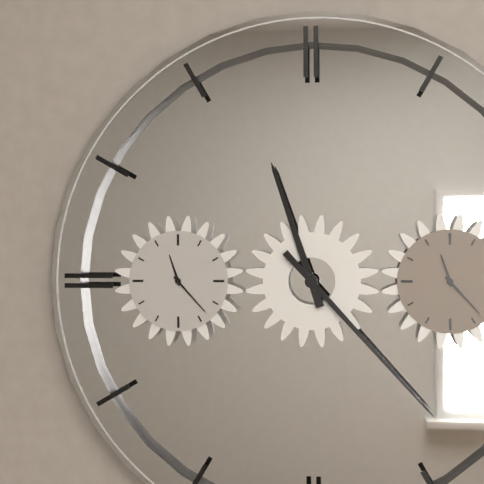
h=11 m=23
